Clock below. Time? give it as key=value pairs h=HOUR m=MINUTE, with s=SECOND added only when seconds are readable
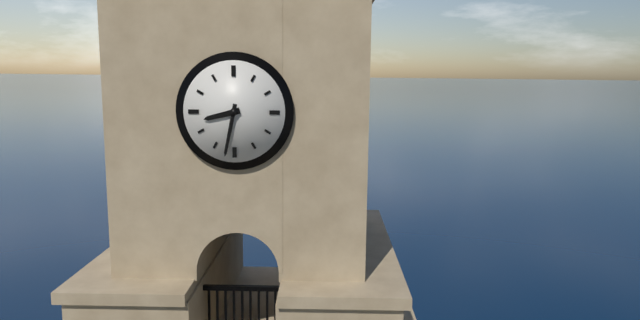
h=8 m=32
